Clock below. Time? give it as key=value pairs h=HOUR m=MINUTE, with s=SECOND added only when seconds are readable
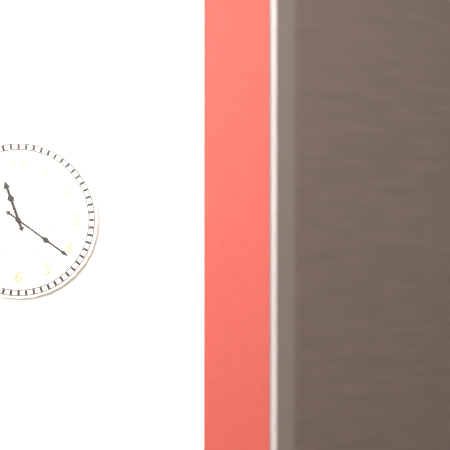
h=11 m=21
